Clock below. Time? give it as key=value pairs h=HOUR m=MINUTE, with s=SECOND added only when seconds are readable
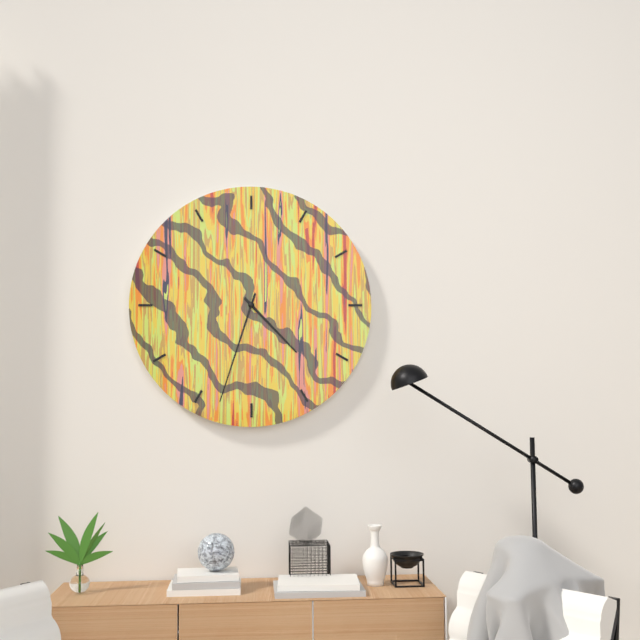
h=4 m=33
